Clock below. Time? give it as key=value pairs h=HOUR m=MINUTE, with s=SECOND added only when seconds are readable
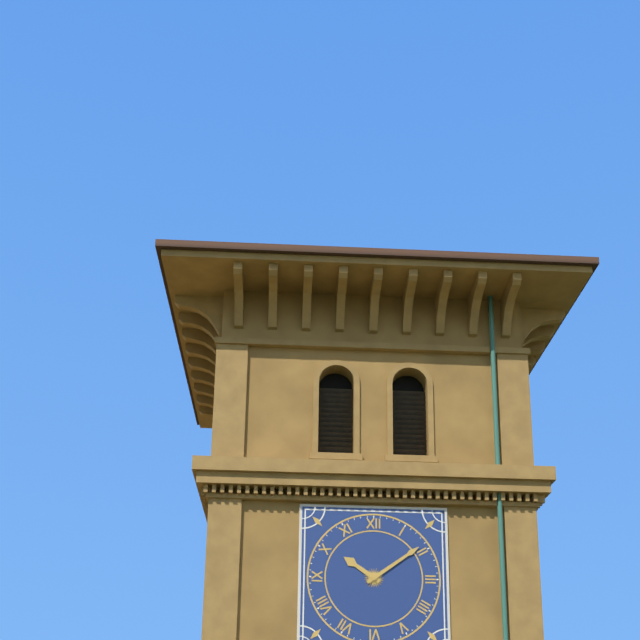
h=10 m=9
